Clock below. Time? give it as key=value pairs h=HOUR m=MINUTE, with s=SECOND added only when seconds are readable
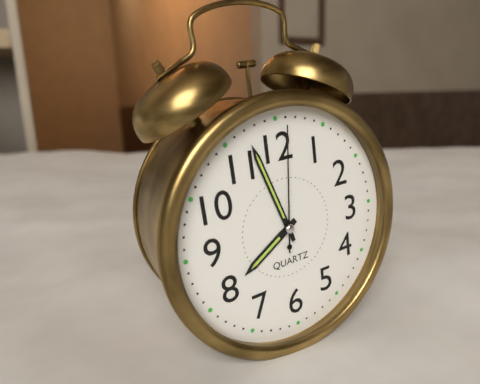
h=7 m=57 s=1
